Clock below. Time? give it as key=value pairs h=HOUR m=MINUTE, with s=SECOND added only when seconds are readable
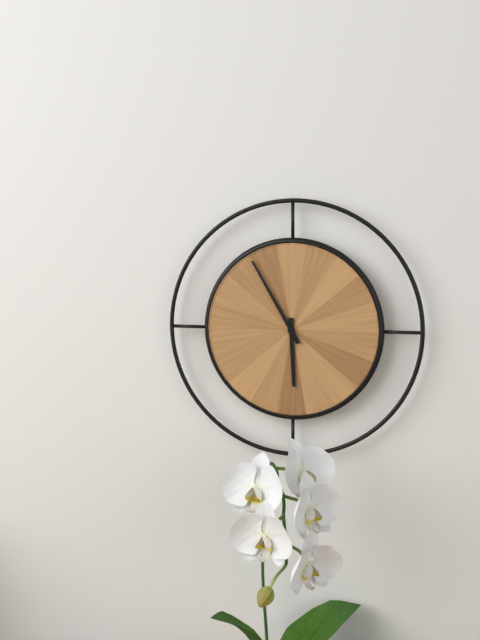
h=5 m=55
